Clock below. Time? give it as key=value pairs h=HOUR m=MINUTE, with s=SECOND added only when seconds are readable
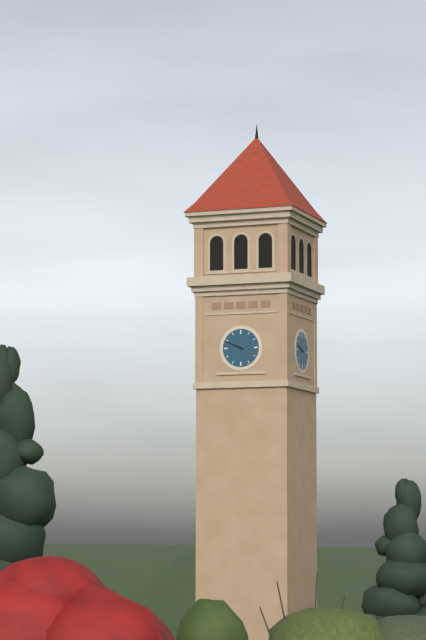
h=9 m=49
